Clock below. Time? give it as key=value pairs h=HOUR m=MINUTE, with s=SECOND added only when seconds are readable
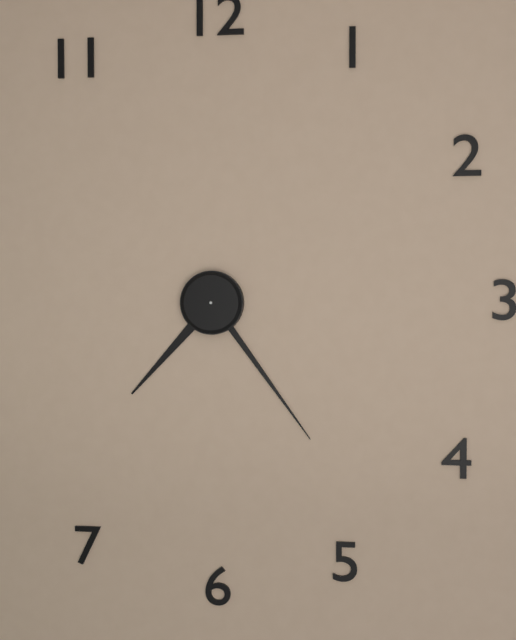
h=7 m=24
